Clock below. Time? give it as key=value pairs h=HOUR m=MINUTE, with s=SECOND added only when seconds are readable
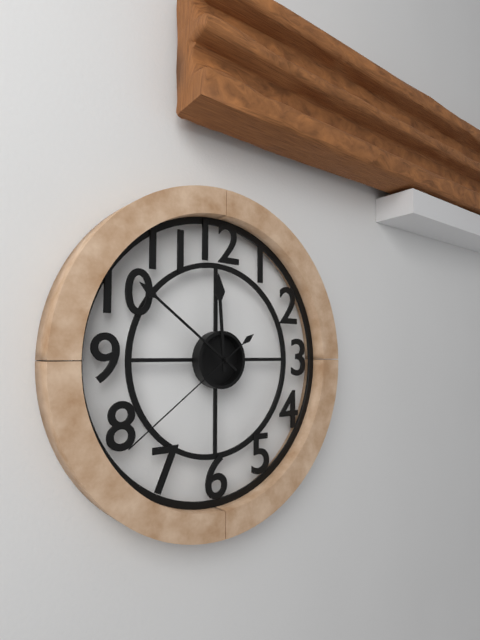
h=11 m=51 s=39
